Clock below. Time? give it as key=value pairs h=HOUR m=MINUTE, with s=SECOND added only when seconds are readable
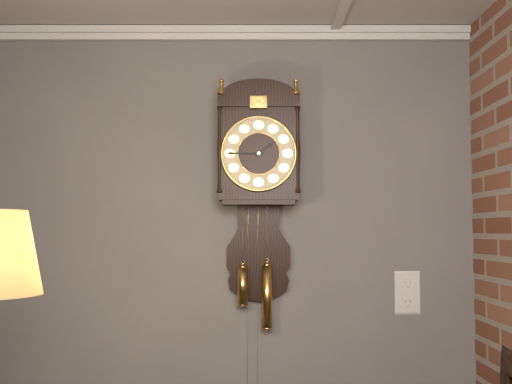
h=1 m=45
